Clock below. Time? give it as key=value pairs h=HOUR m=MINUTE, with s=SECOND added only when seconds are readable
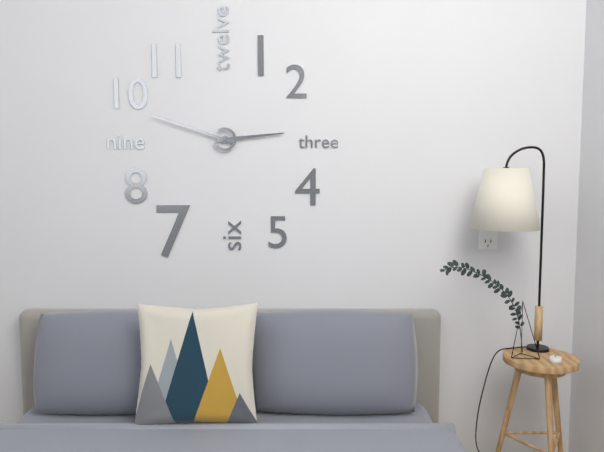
h=2 m=48
